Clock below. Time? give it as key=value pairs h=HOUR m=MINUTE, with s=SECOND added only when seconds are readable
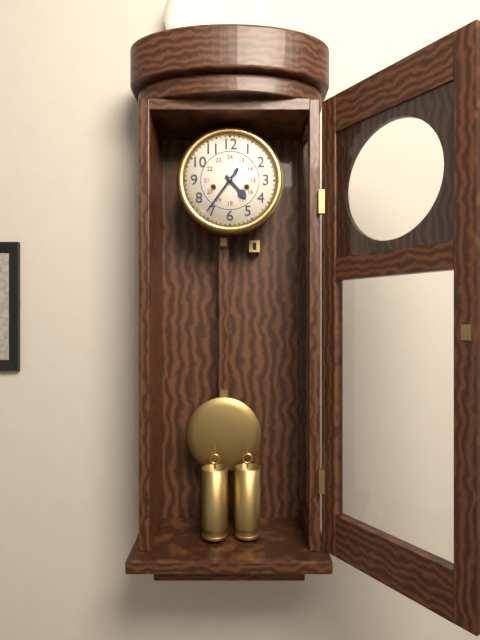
h=4 m=36
